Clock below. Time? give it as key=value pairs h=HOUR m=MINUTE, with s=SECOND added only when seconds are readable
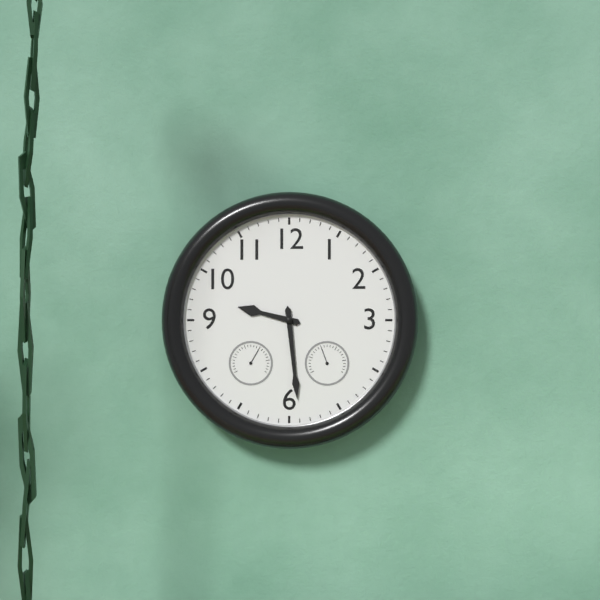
h=9 m=29
